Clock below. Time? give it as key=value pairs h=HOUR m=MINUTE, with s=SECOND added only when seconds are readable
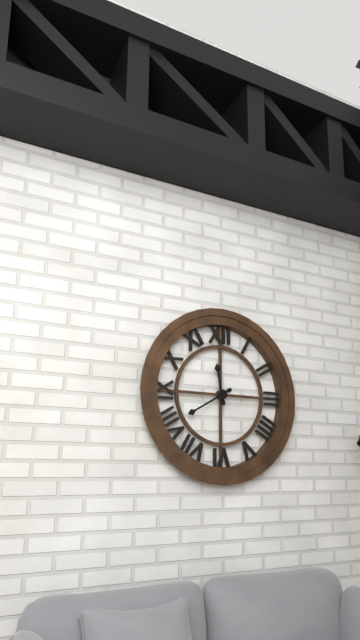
h=11 m=40
